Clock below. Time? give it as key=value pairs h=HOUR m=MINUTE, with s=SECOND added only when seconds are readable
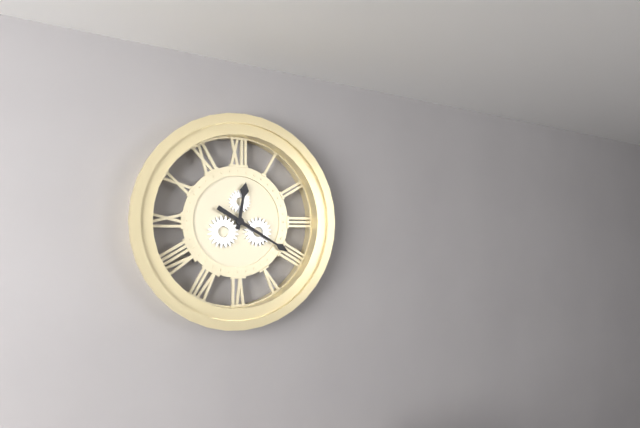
h=12 m=20
